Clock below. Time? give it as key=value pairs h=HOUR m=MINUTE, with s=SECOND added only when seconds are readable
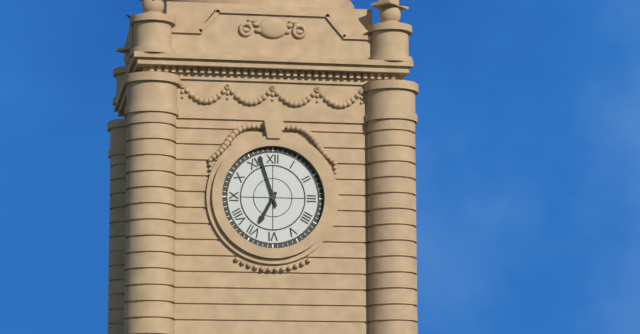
h=6 m=57
